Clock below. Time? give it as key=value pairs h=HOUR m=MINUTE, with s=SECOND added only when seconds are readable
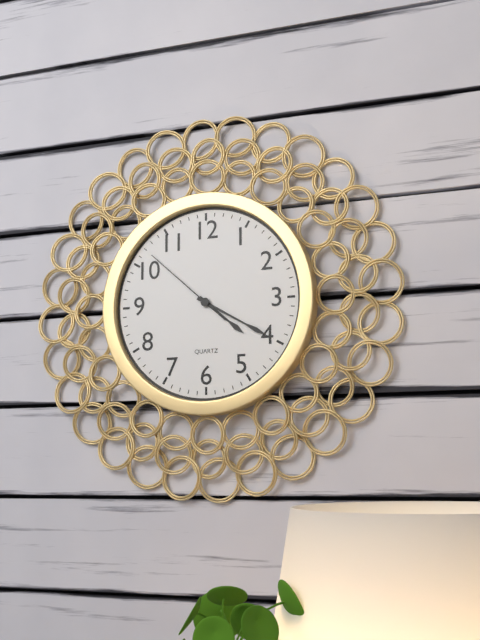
h=4 m=20 s=52
